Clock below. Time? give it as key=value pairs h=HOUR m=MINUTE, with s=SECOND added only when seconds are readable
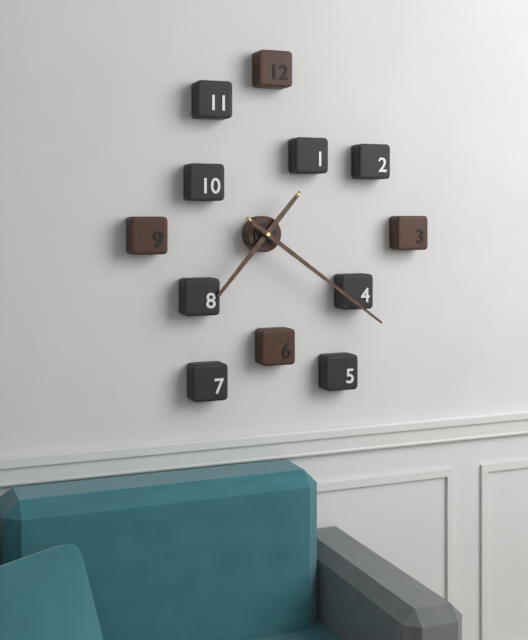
h=7 m=21
